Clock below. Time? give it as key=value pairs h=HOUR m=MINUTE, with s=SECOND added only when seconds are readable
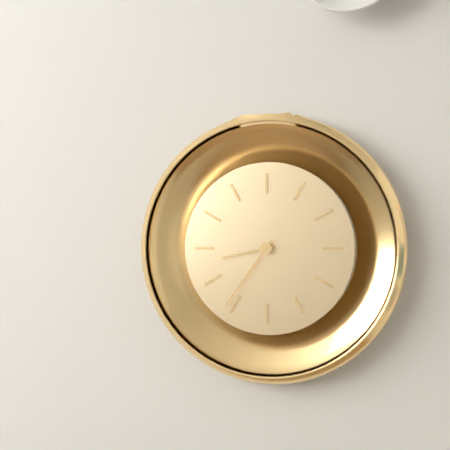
h=8 m=36
